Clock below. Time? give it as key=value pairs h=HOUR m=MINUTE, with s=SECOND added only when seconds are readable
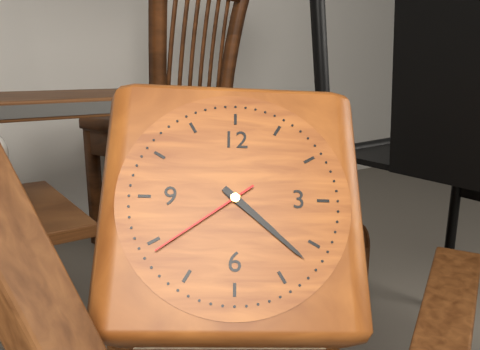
h=4 m=22 s=39
